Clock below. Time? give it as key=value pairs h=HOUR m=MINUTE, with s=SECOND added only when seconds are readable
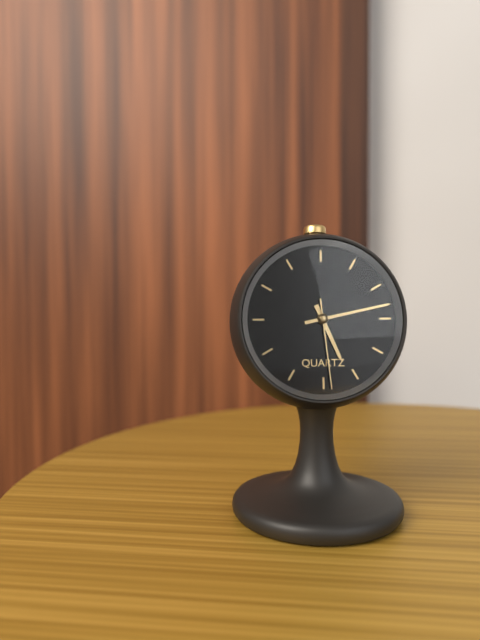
h=5 m=13 s=29
